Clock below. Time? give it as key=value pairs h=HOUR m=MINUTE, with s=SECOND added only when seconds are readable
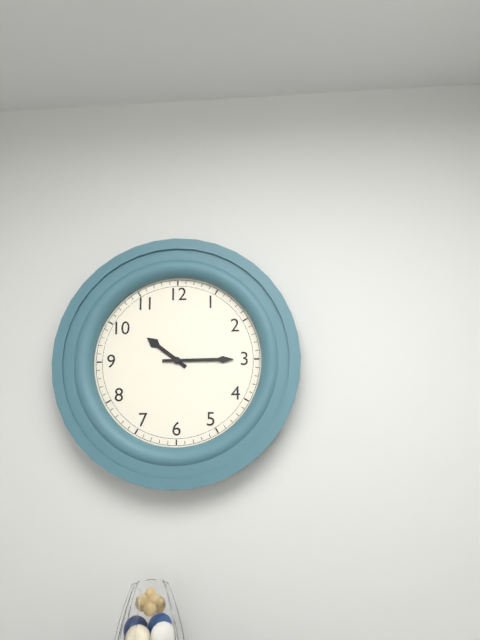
h=10 m=15
